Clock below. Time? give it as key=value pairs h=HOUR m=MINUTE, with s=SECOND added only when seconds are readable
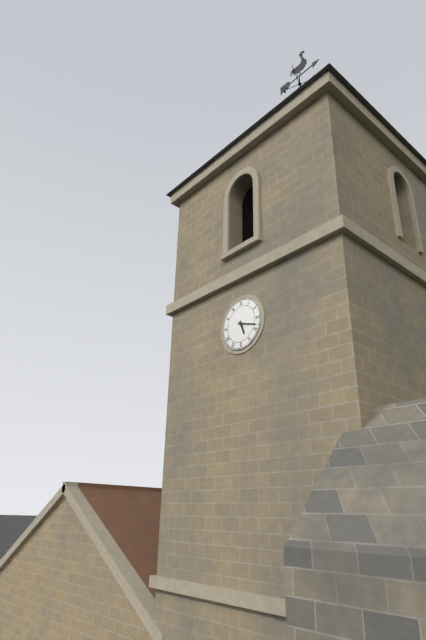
h=5 m=18
